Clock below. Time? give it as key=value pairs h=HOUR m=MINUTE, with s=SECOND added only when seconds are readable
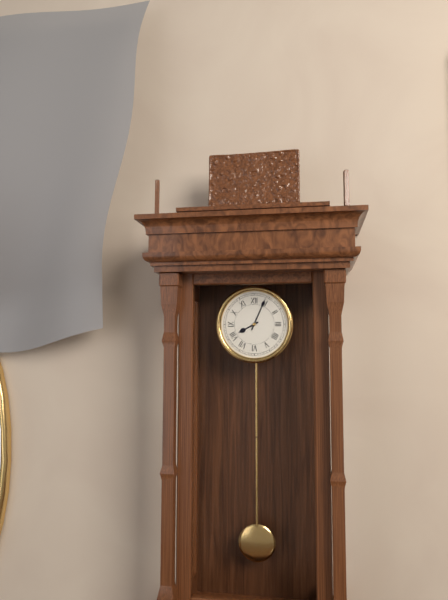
h=8 m=4
